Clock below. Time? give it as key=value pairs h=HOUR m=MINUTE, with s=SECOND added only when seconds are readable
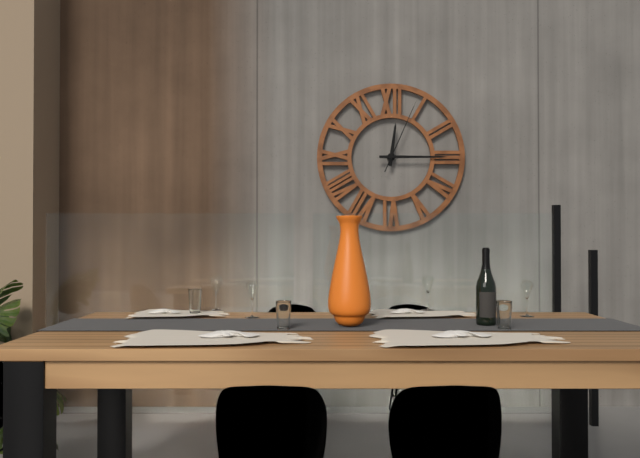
h=12 m=15 s=4
